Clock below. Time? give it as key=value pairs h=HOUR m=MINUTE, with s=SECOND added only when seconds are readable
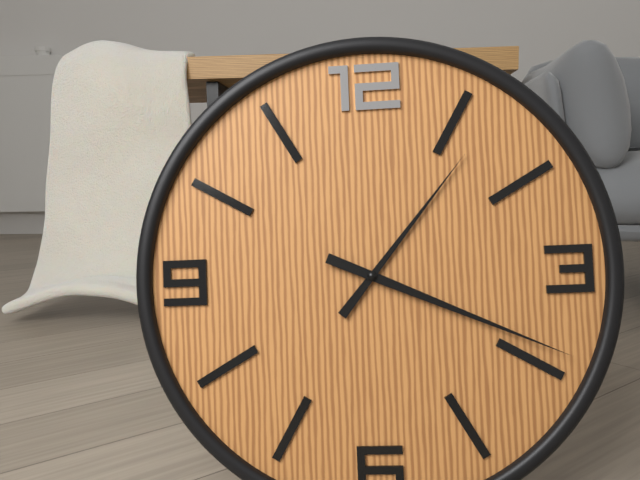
h=1 m=19
